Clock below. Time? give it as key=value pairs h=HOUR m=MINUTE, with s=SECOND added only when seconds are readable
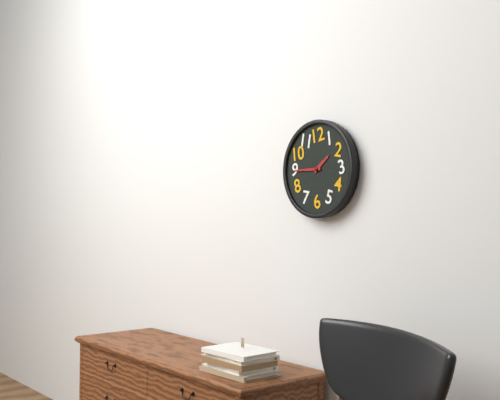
h=1 m=45
